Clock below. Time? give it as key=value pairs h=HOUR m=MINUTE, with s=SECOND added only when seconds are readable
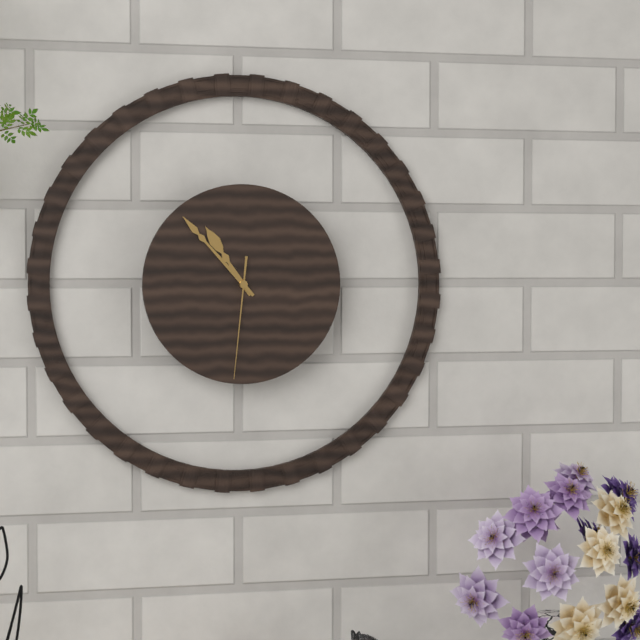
h=10 m=53 s=31
